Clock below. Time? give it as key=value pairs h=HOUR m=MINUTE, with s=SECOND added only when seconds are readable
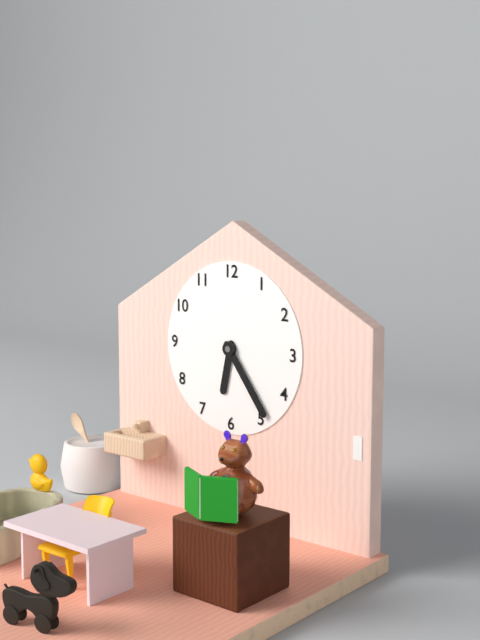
h=6 m=24
